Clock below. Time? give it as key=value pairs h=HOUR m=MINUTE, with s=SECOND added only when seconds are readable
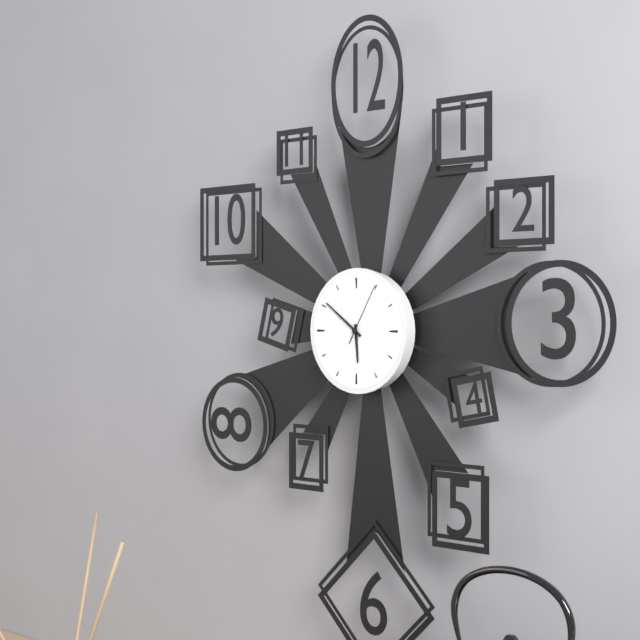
h=5 m=51 s=5
